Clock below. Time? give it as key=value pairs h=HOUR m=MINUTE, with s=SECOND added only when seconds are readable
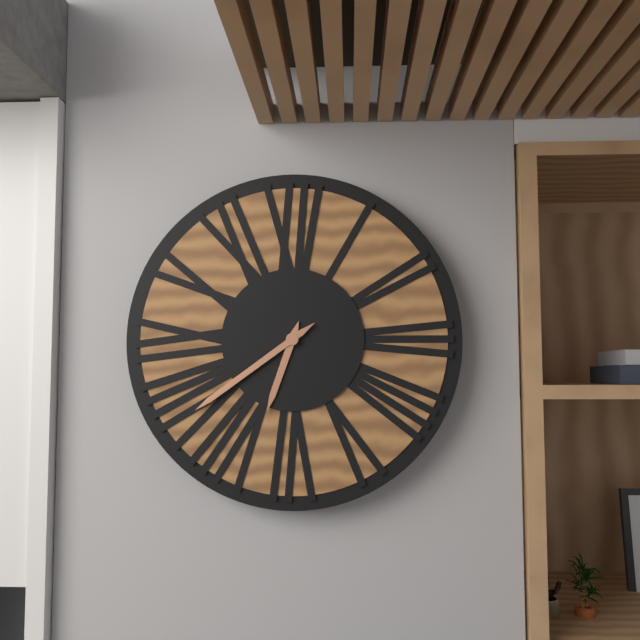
h=6 m=39
